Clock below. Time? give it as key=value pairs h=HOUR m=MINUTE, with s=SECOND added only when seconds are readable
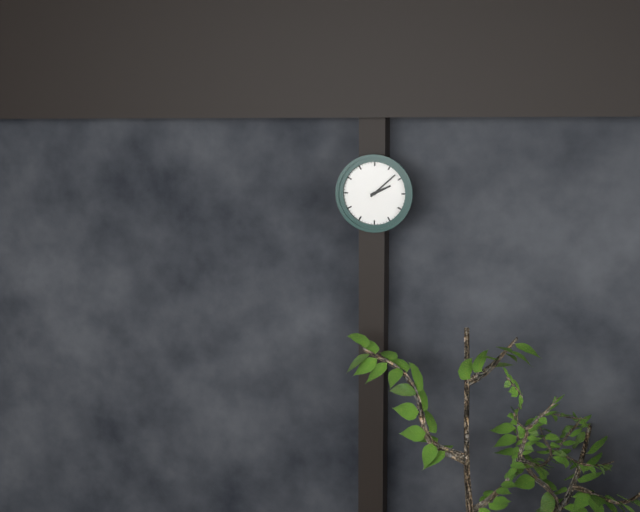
h=2 m=8
